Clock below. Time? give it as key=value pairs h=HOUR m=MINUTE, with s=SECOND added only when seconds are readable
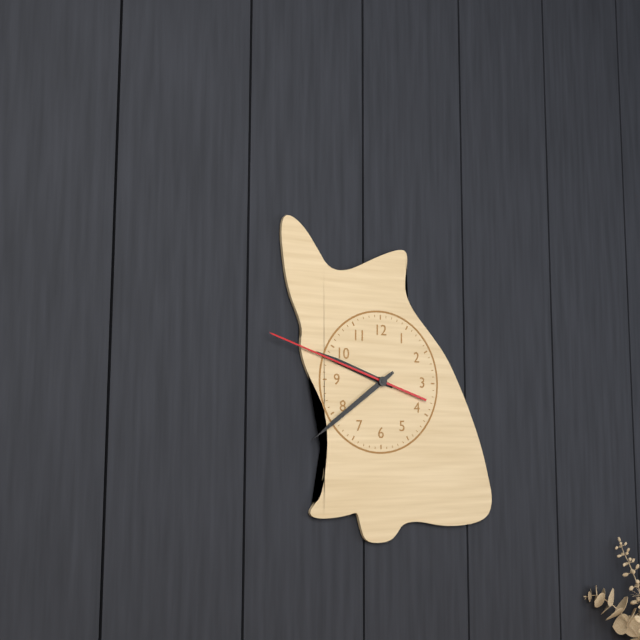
h=9 m=39 s=48
